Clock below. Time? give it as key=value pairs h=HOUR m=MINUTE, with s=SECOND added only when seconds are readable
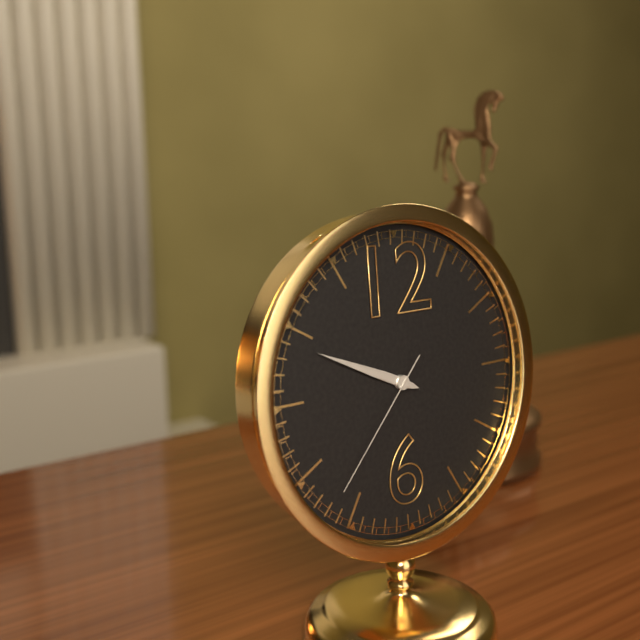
h=9 m=49 s=37
